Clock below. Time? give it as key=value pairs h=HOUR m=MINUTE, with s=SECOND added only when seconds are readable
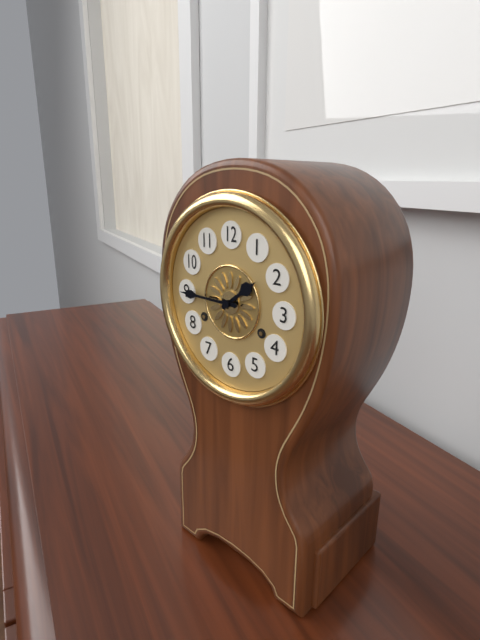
h=1 m=45
